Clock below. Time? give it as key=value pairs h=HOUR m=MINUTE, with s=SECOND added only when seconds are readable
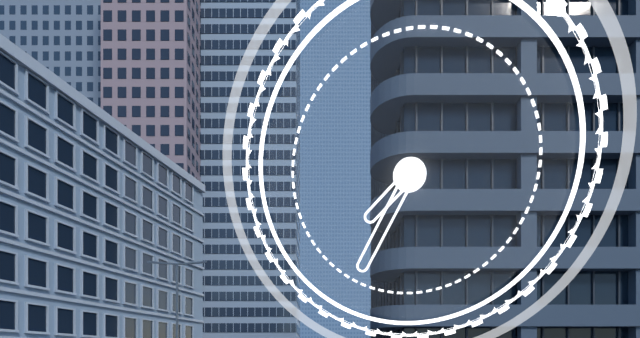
h=7 m=35
